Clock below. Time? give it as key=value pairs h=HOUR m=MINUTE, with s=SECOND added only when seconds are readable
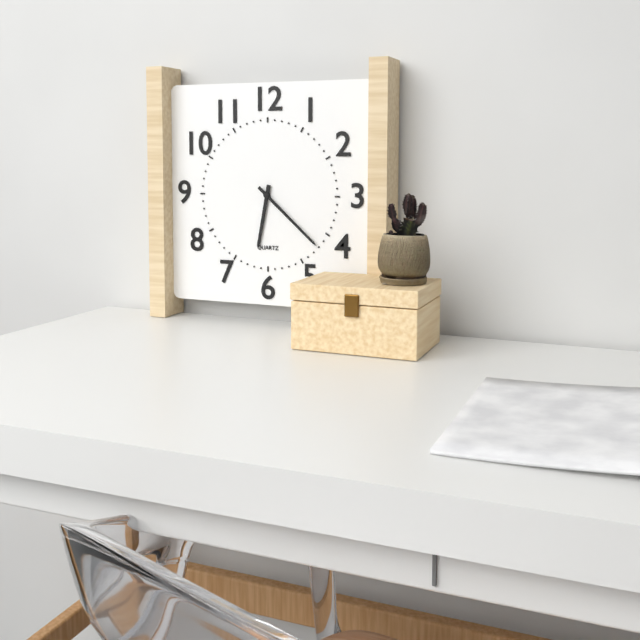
h=6 m=22
